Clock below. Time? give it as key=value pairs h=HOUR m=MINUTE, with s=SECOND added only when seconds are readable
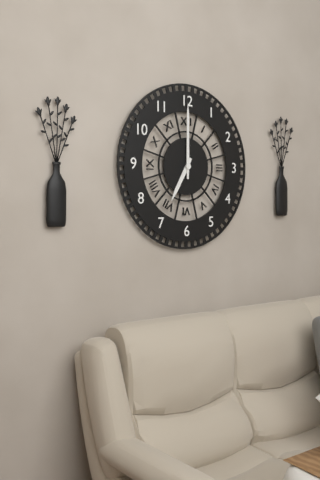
h=7 m=0
